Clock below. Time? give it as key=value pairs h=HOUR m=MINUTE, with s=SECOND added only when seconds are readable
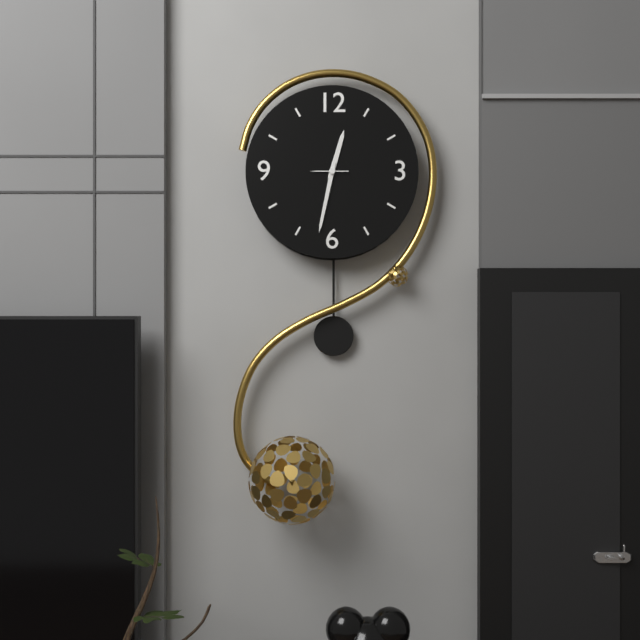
h=12 m=32
